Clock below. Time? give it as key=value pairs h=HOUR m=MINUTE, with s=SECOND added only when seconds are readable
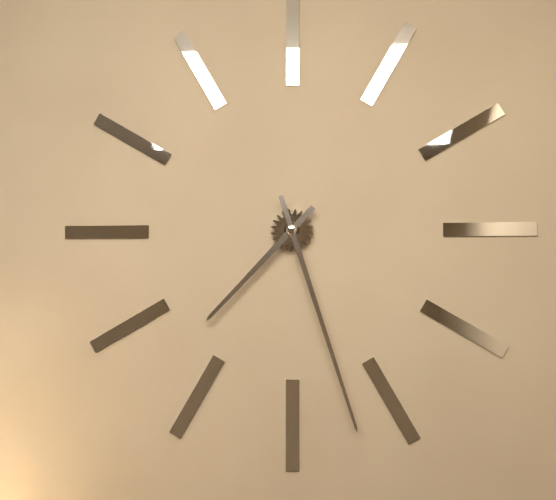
h=7 m=27
